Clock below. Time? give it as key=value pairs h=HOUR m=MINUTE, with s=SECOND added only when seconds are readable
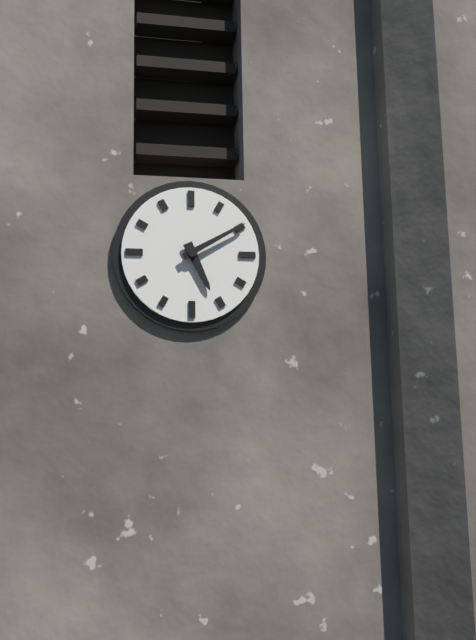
h=5 m=10
